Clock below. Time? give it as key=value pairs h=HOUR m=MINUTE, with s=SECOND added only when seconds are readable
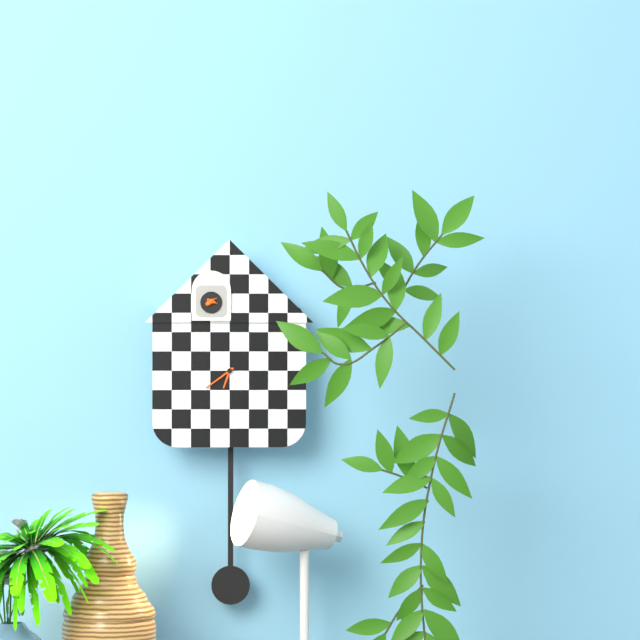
h=6 m=39
